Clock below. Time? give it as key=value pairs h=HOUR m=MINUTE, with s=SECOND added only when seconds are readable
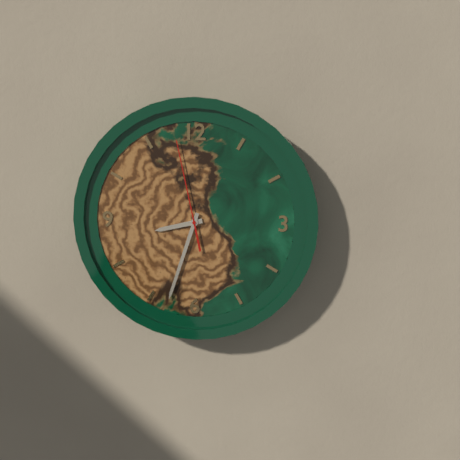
h=8 m=33 s=58
